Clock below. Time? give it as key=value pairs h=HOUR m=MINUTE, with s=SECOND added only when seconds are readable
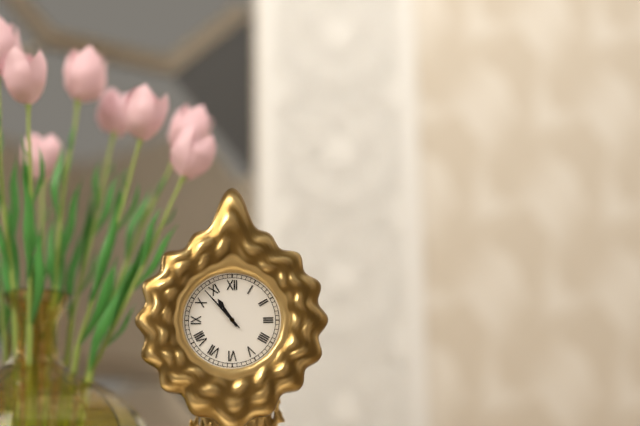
h=10 m=53
